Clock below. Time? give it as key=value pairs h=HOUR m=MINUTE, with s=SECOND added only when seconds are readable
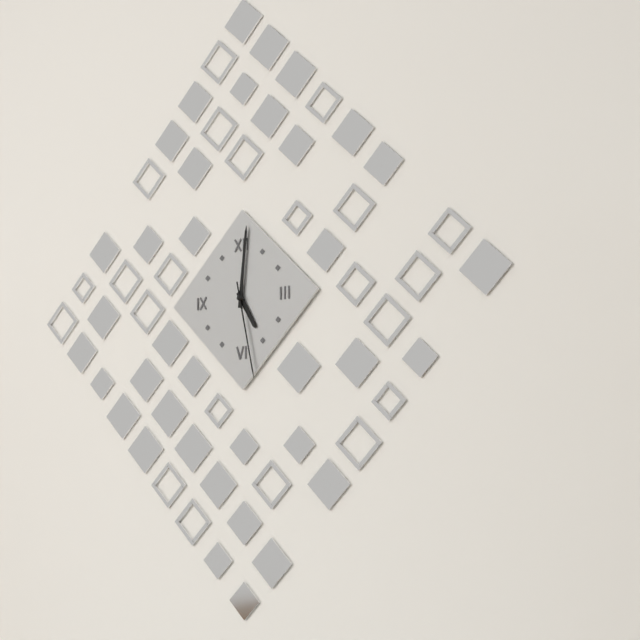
h=5 m=1 s=28
